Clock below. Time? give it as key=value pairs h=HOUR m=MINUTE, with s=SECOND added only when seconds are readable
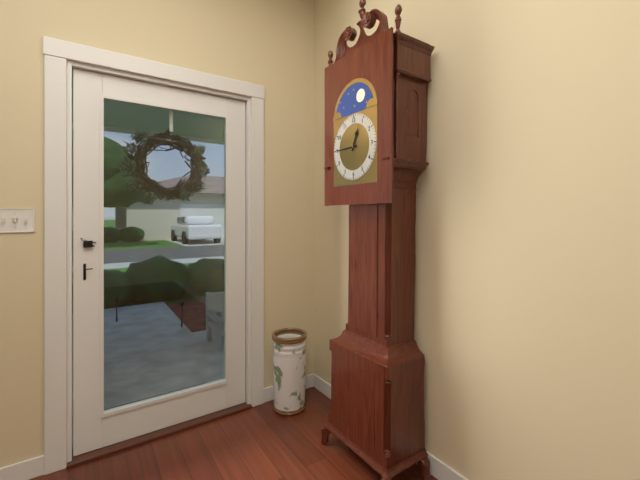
h=12 m=45
